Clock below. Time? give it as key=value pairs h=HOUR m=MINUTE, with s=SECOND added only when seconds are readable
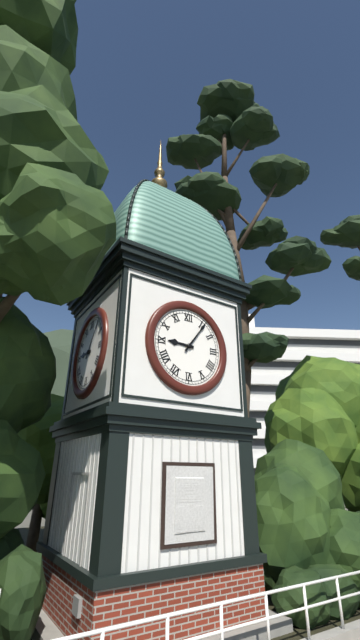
h=9 m=6
